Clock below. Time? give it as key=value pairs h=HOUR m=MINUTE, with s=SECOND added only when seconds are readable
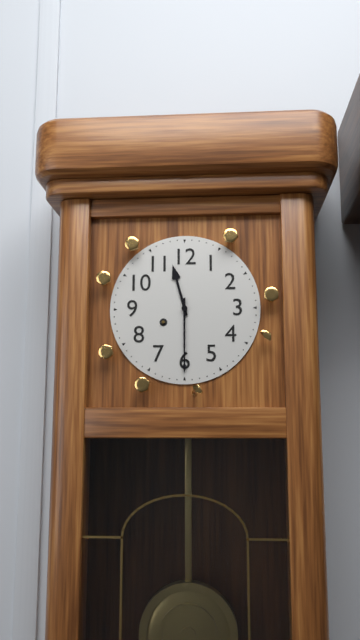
h=11 m=30
